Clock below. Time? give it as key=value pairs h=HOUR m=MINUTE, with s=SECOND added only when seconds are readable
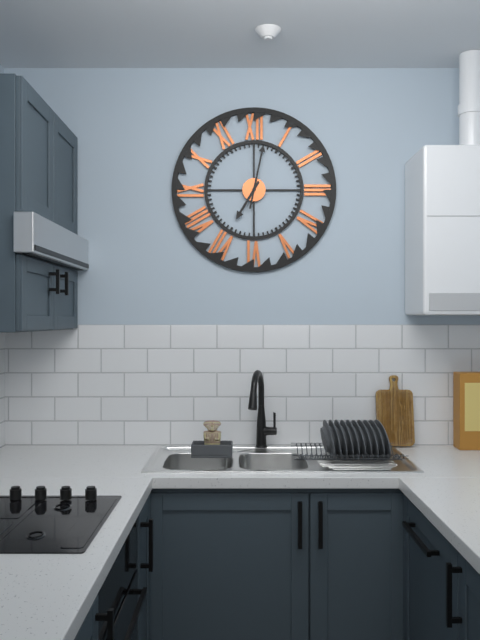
h=7 m=2
